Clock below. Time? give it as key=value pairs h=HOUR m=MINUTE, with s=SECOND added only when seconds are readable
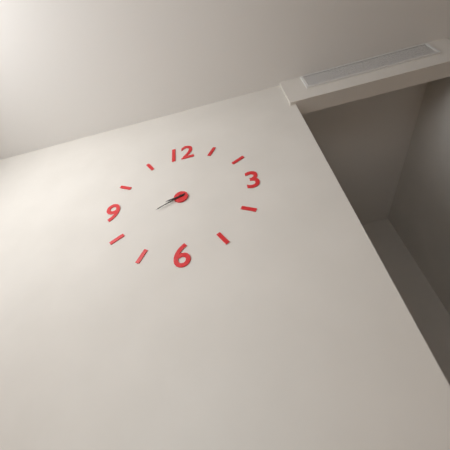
h=8 m=41
